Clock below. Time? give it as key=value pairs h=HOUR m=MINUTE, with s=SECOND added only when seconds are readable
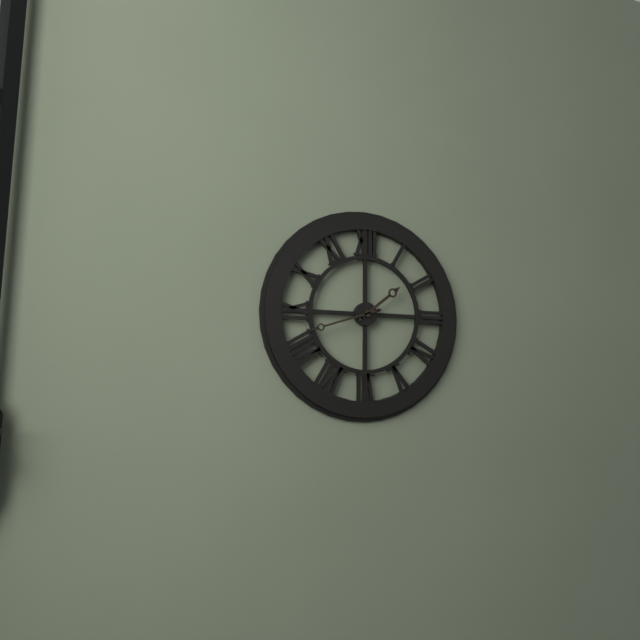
h=1 m=42
